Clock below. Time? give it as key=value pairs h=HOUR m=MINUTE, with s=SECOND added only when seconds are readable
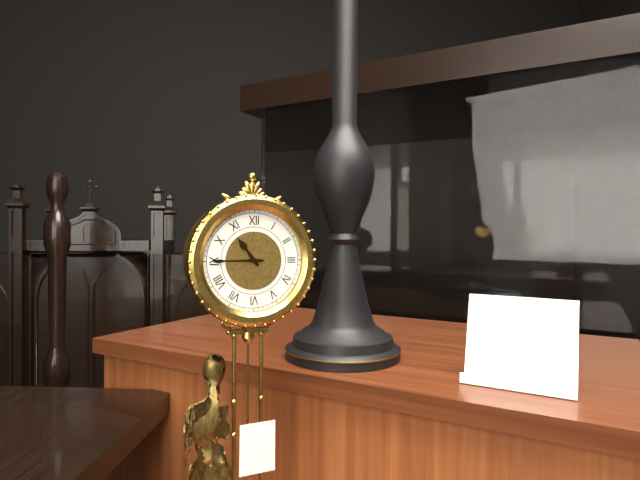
h=10 m=45
